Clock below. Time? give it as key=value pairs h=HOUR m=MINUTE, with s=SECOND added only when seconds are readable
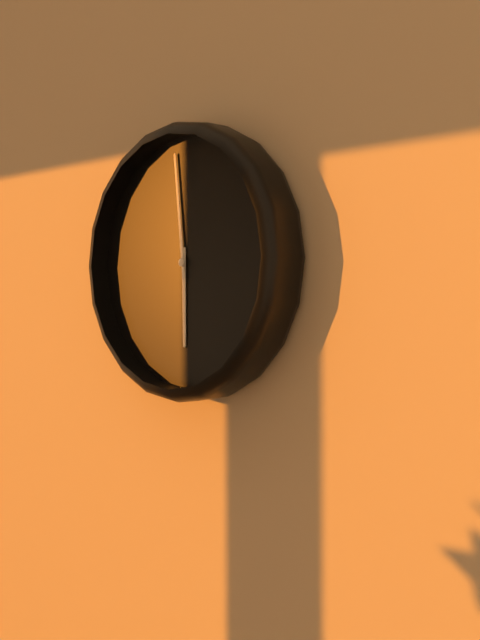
h=5 m=59
